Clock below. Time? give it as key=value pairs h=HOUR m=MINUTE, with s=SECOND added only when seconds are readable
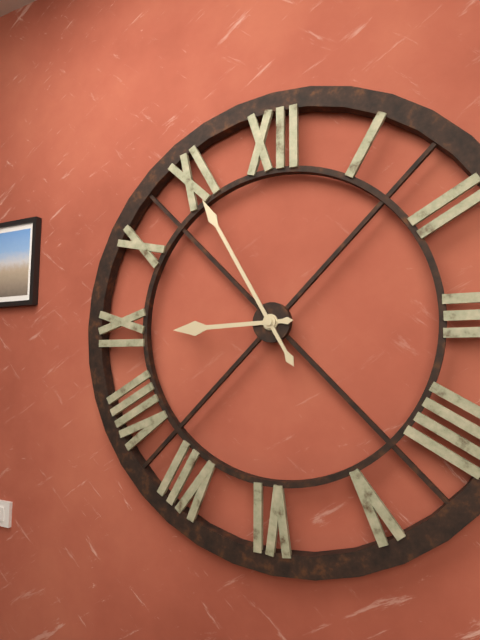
h=8 m=55
